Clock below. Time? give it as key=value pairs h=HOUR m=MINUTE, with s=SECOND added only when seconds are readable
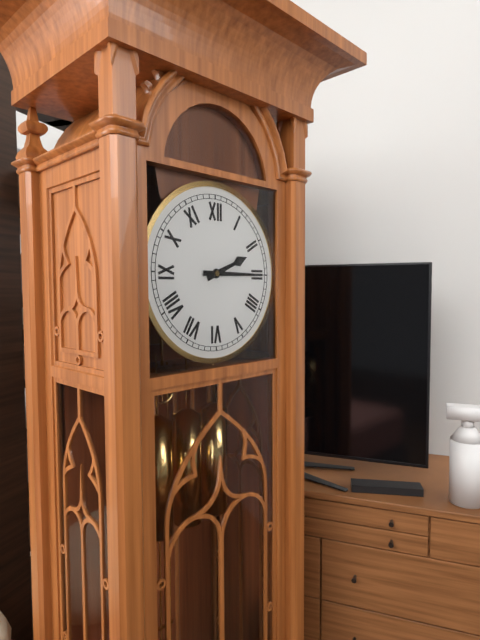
h=2 m=15
